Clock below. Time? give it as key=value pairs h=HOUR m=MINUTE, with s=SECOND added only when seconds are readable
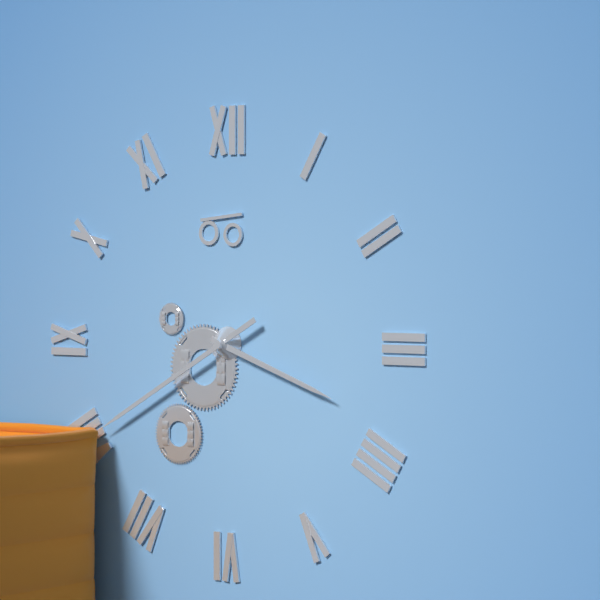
h=3 m=40
